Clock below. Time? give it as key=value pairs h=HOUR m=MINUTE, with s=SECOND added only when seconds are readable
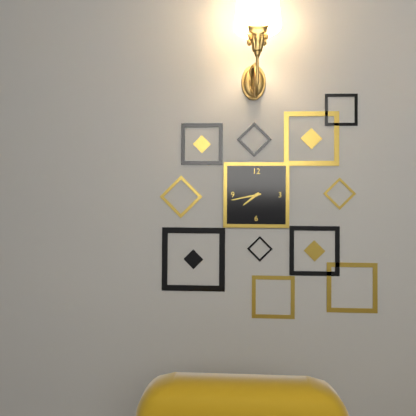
h=7 m=43
